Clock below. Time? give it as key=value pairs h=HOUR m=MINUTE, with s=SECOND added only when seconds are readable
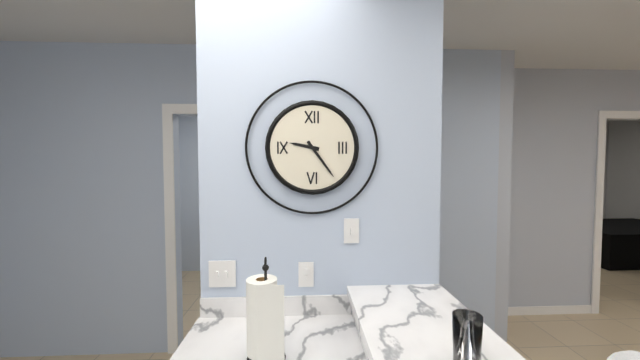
h=9 m=24
